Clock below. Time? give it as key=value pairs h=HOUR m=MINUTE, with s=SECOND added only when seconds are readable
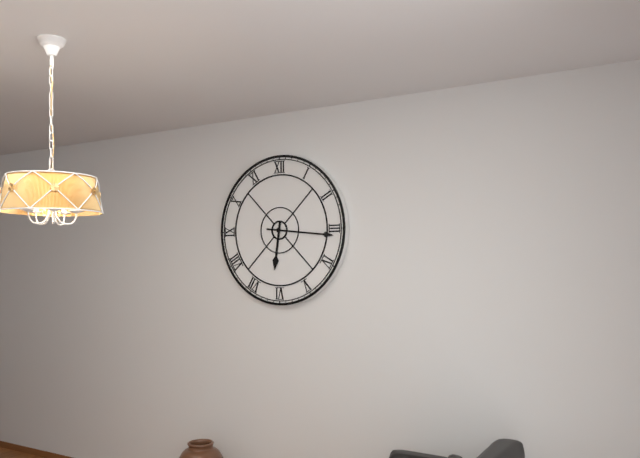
h=6 m=16
